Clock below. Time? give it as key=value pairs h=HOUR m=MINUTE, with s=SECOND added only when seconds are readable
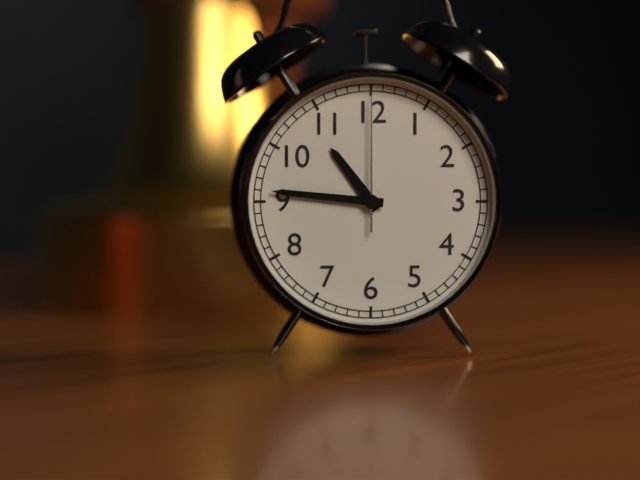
h=10 m=46 s=0
